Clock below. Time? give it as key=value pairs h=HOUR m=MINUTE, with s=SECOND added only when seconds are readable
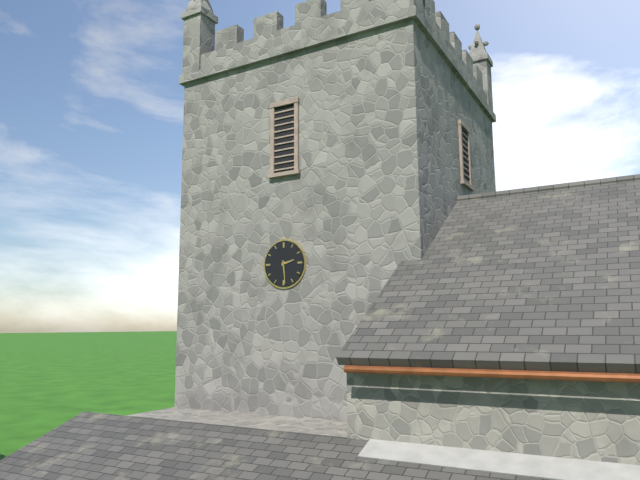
h=2 m=29
